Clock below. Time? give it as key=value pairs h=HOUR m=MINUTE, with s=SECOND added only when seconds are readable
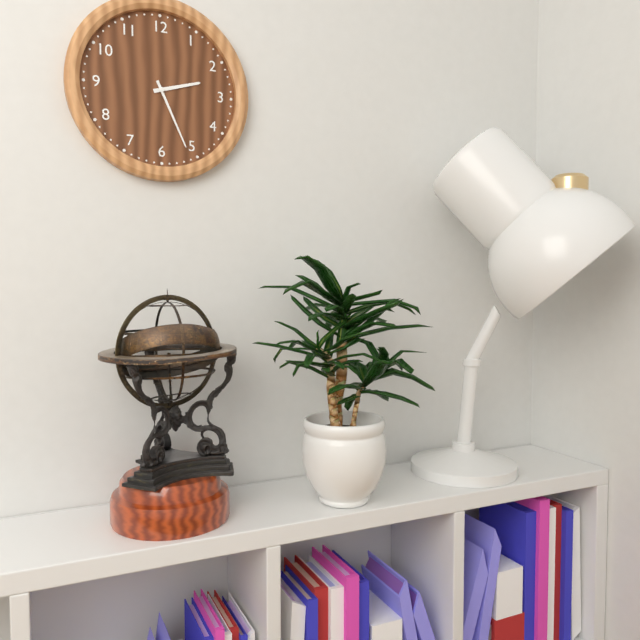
h=2 m=26
